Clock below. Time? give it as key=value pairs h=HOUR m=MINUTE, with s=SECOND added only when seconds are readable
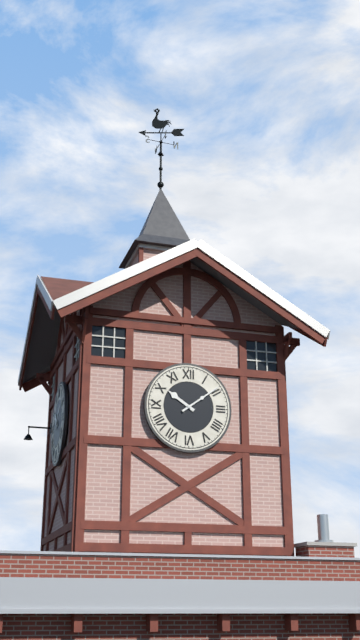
h=10 m=9
